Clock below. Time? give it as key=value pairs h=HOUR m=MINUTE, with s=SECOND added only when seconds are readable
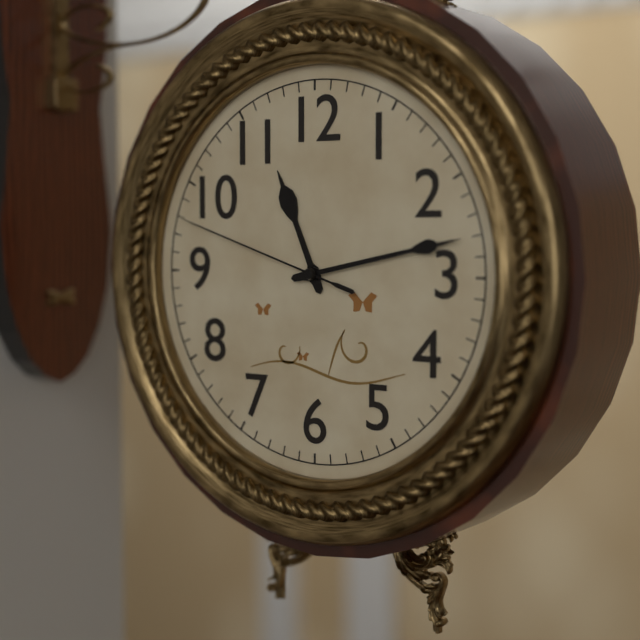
h=11 m=13 s=48
